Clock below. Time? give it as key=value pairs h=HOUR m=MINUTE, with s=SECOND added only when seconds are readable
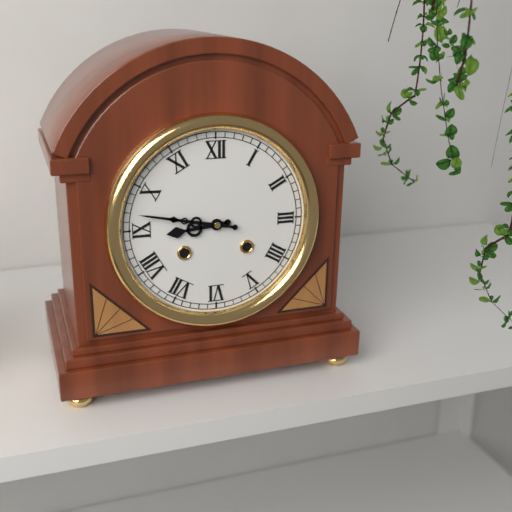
h=8 m=47
